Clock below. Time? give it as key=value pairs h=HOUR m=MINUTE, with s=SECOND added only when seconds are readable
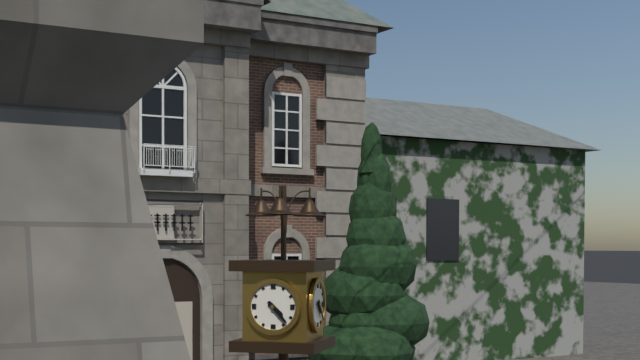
h=4 m=23
